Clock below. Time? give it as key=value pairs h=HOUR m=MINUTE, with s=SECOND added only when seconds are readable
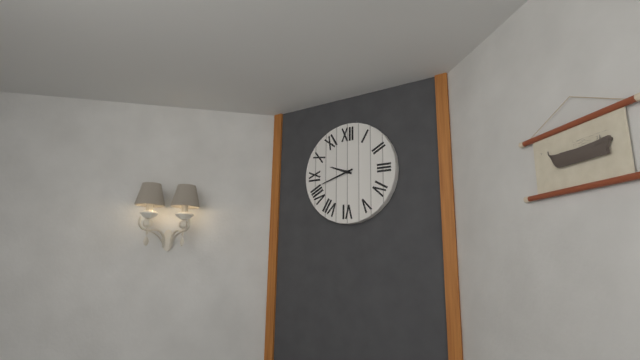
h=9 m=42
